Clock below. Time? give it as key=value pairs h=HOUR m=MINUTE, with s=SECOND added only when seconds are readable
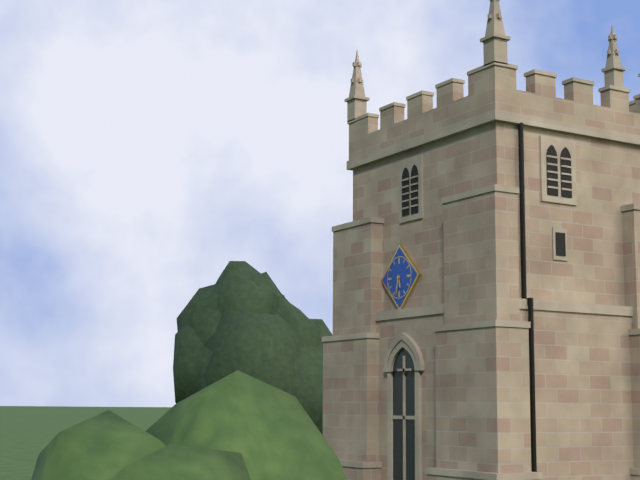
h=5 m=32
